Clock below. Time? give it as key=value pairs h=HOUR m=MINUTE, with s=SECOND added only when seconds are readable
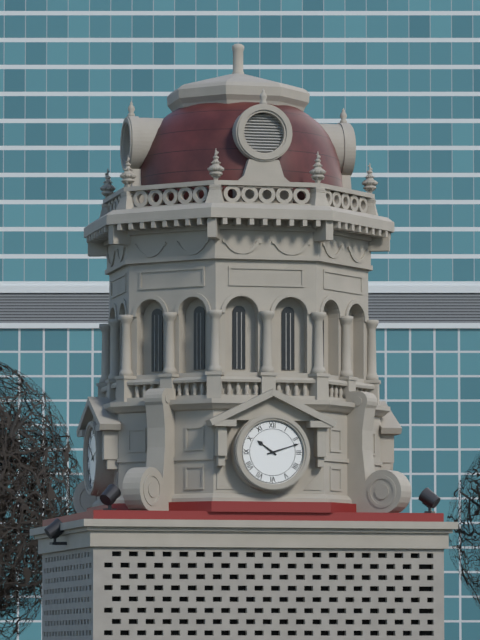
h=10 m=12
